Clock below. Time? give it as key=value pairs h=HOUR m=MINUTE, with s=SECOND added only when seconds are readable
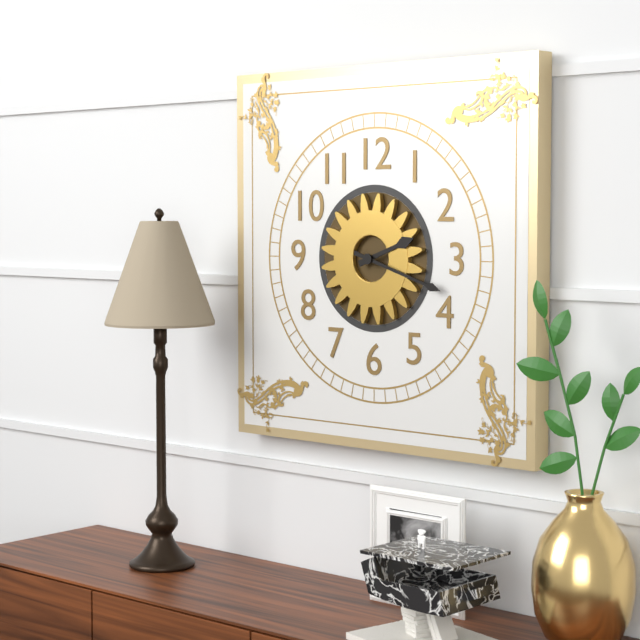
h=2 m=18
